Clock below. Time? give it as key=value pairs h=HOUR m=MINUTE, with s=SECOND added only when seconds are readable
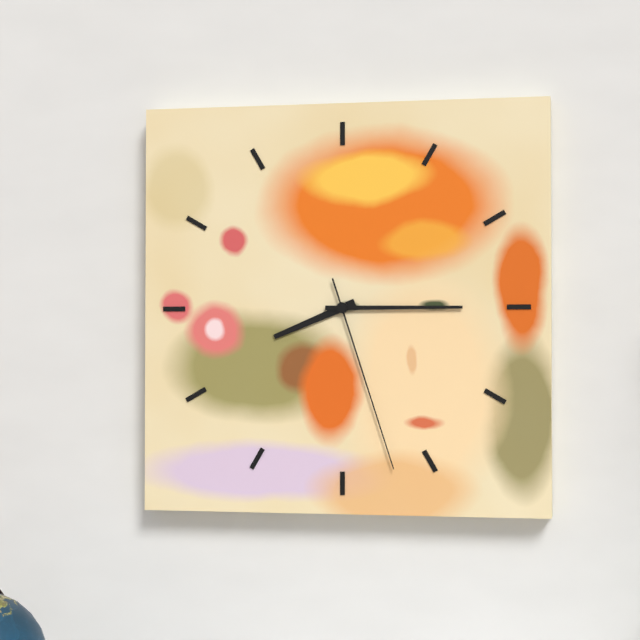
h=8 m=15 s=27
